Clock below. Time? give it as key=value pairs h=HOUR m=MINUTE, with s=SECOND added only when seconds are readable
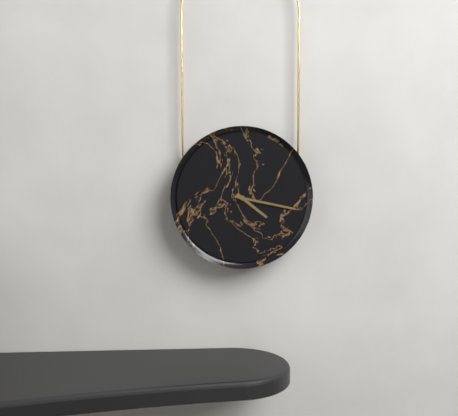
h=4 m=17
